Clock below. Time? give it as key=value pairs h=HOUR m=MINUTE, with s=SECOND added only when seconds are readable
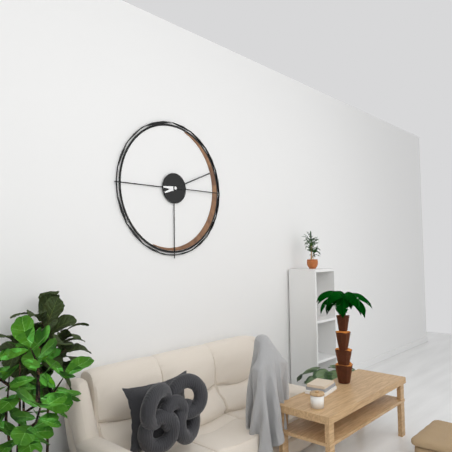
h=2 m=15
